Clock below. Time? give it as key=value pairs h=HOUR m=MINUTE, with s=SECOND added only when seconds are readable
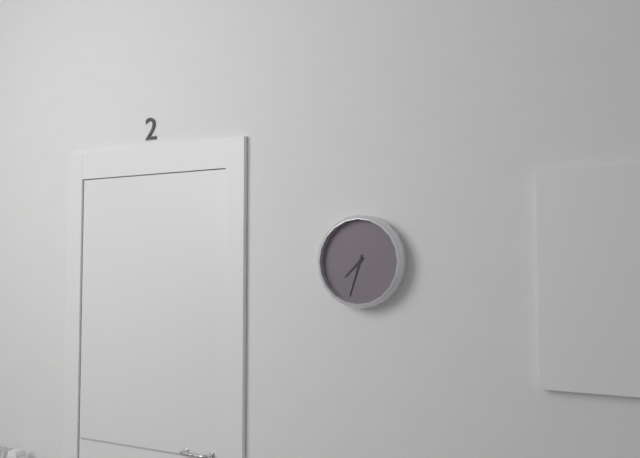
h=7 m=33
